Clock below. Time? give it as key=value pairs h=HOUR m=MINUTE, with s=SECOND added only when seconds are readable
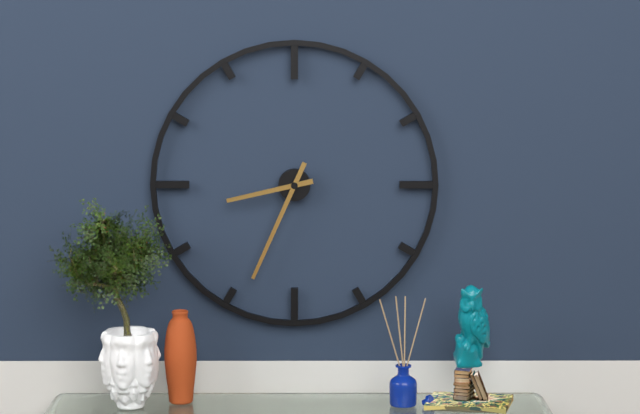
h=8 m=34
